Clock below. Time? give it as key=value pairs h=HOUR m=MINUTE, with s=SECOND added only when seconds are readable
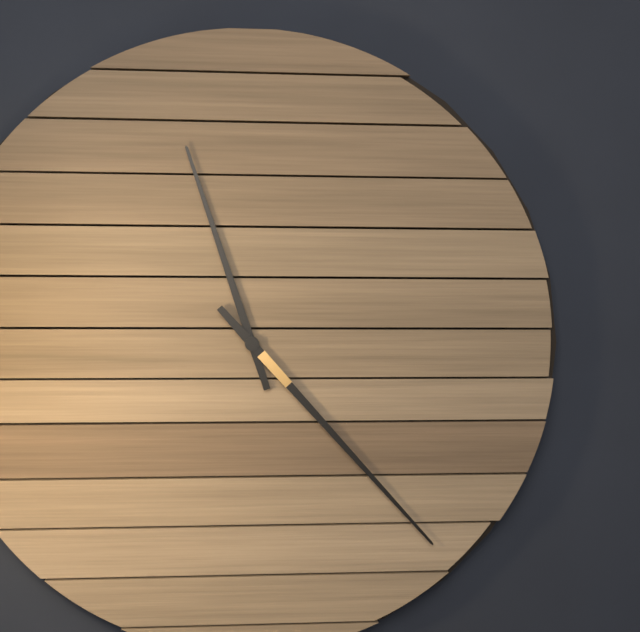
h=11 m=23
